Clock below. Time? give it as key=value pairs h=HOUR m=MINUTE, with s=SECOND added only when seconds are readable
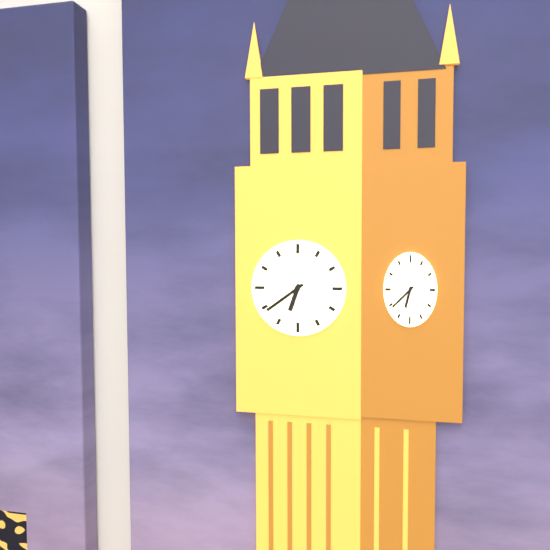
h=6 m=39
